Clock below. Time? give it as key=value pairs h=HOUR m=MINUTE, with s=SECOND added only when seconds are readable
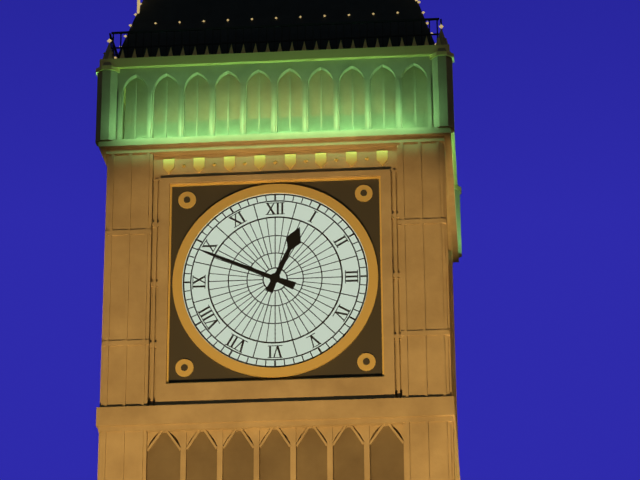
h=12 m=49
